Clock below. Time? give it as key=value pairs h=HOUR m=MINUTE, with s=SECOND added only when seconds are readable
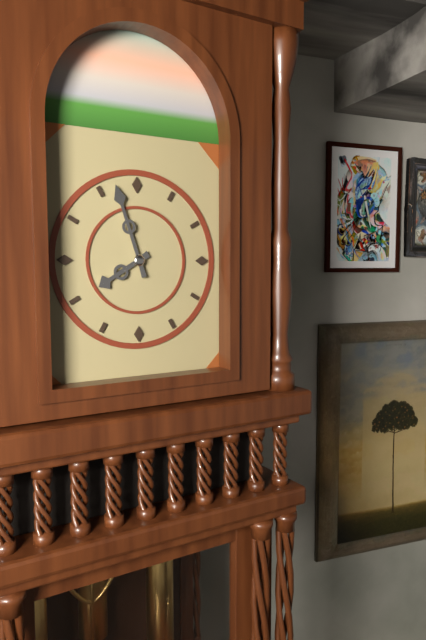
h=7 m=57
